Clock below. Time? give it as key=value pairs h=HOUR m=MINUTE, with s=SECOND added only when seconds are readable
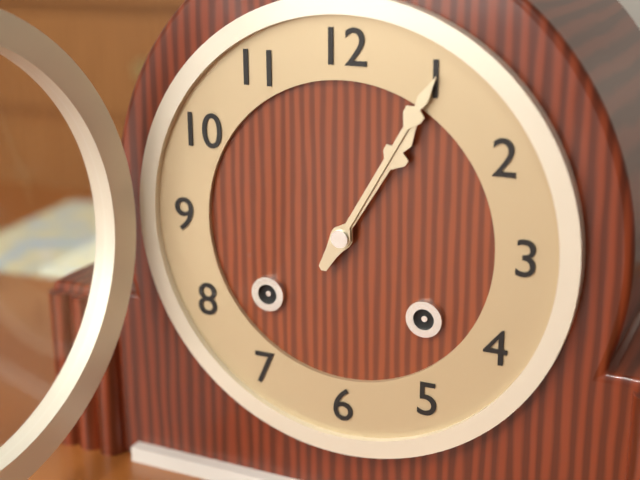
h=1 m=5
